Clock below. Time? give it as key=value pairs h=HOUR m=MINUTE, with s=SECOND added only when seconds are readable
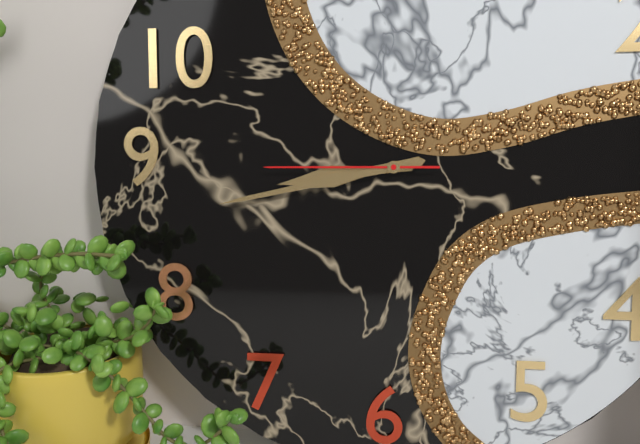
h=8 m=43 s=45
